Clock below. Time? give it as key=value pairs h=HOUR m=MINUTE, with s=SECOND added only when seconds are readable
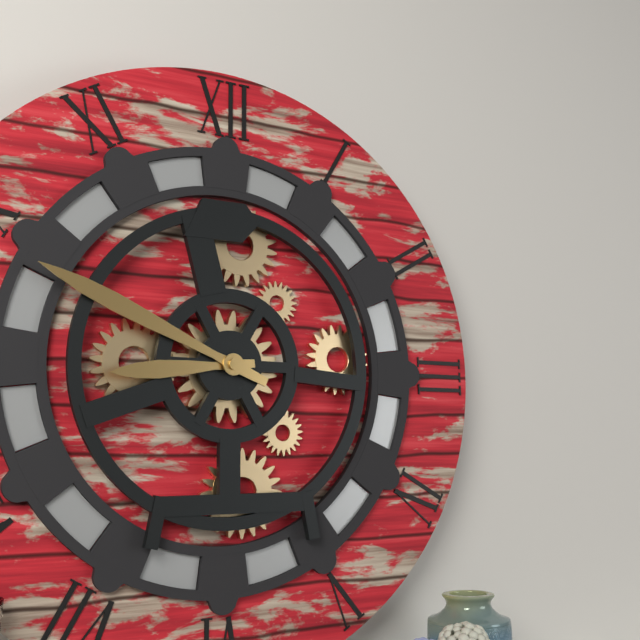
h=8 m=49
